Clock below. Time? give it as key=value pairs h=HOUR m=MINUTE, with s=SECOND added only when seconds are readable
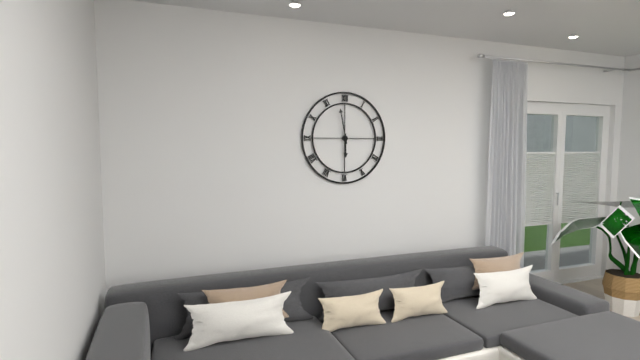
h=5 m=58
